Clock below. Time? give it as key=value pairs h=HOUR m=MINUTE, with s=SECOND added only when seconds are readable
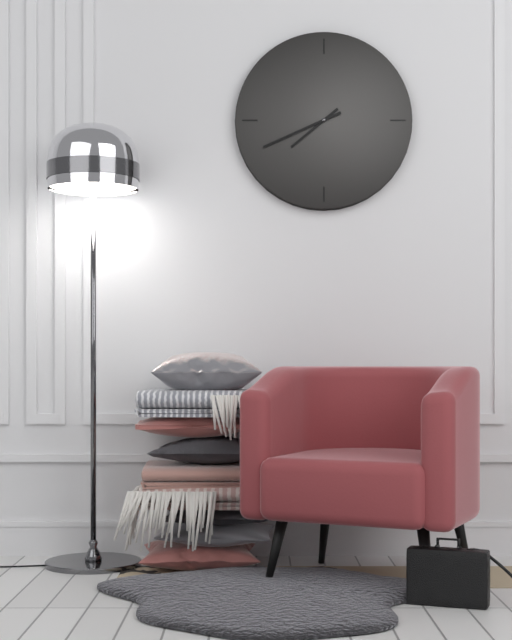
h=7 m=41
